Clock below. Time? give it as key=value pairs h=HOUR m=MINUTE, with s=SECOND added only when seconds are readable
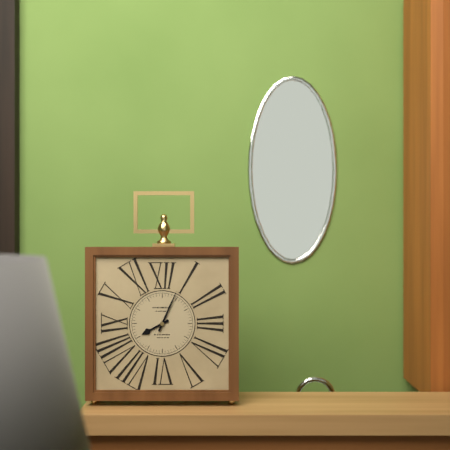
h=8 m=4
